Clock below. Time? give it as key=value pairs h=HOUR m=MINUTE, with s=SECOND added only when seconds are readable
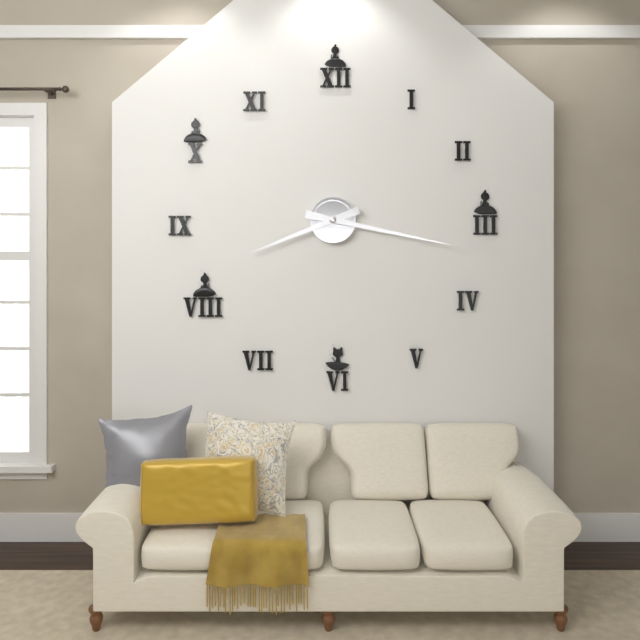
h=8 m=17
